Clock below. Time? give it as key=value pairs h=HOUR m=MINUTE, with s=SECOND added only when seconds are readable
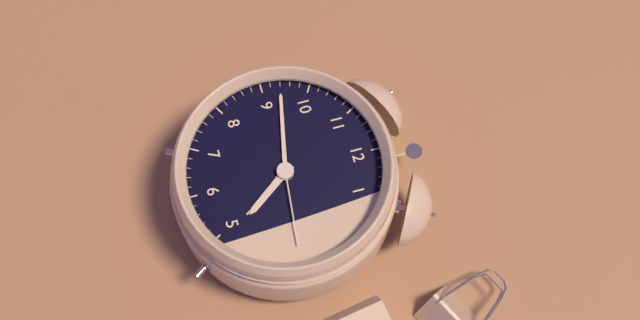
h=4 m=47 s=16
